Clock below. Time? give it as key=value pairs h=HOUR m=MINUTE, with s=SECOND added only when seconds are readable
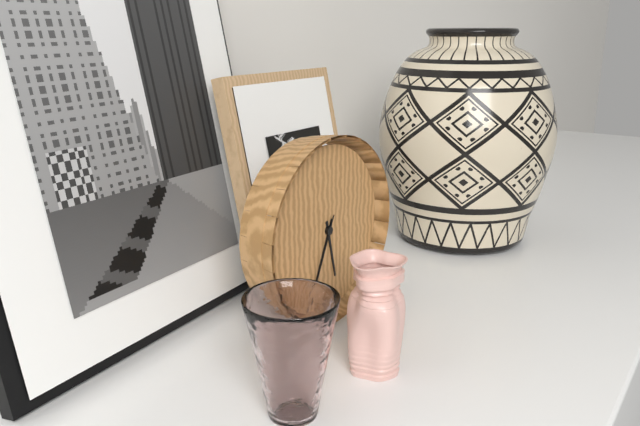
h=5 m=34 s=34
